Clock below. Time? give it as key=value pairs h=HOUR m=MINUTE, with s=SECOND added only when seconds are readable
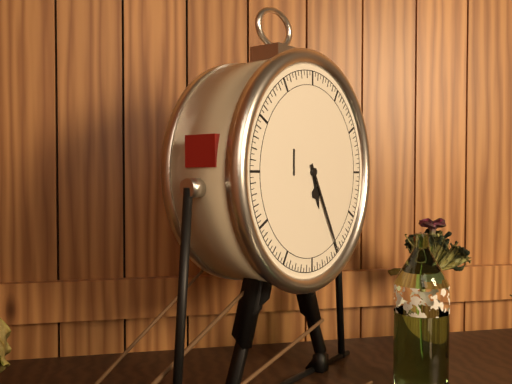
h=5 m=25
